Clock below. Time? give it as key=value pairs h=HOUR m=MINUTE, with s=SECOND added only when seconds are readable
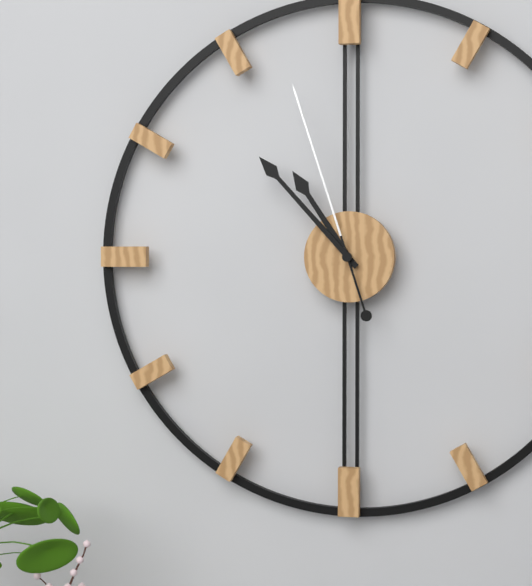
h=10 m=53 s=57
